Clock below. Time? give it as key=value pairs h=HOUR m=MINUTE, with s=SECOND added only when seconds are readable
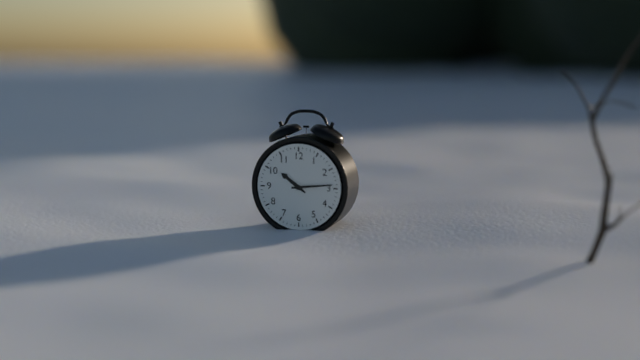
h=10 m=14
